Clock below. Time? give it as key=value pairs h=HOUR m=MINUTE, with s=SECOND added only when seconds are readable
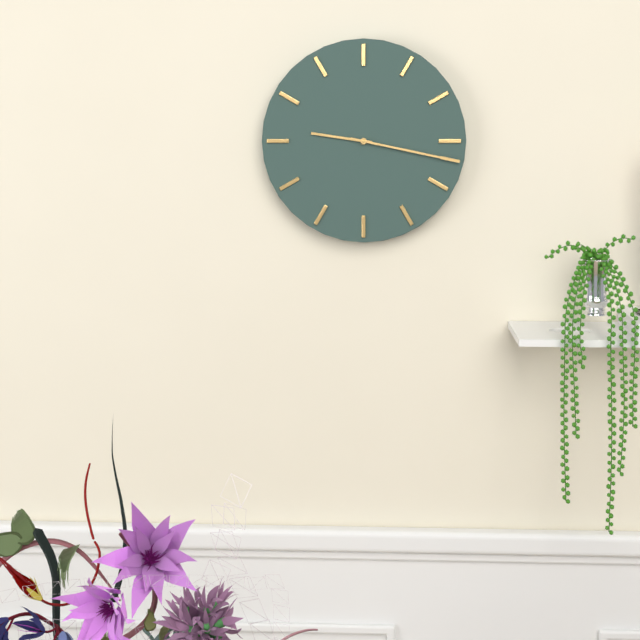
h=9 m=17
